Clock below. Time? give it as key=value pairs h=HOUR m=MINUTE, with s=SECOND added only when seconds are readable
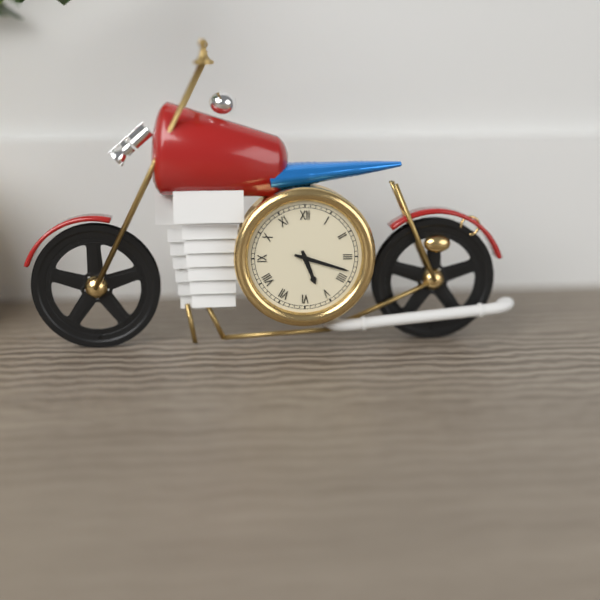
h=5 m=18
